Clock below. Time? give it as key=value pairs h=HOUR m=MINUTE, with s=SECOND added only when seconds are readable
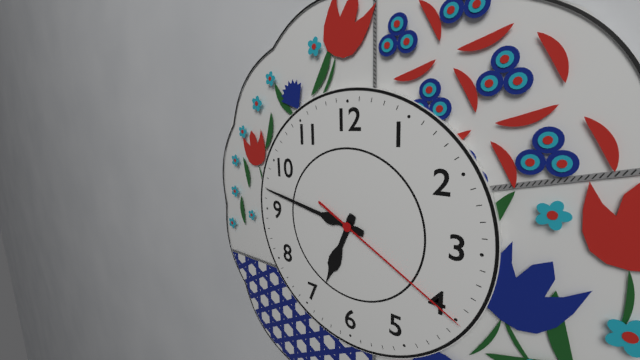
h=6 m=47 s=20
